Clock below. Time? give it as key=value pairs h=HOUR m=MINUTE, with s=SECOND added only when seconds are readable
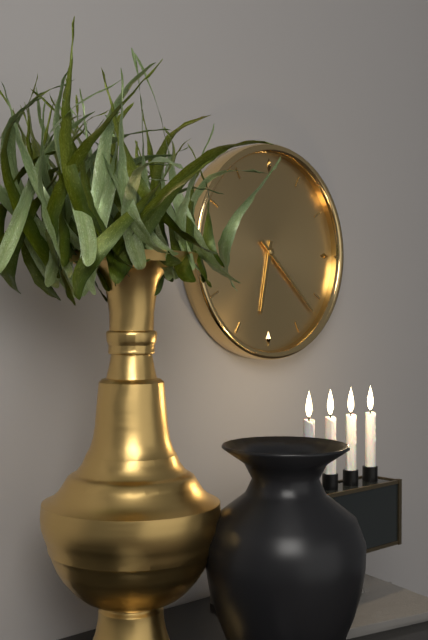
h=6 m=22
